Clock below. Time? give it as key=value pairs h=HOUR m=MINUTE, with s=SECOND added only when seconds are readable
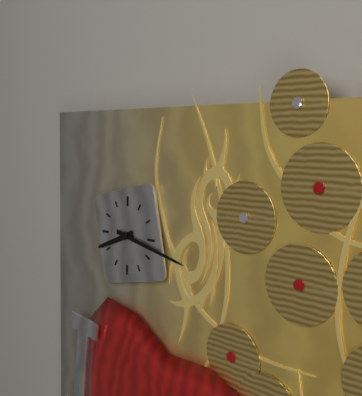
h=8 m=17
